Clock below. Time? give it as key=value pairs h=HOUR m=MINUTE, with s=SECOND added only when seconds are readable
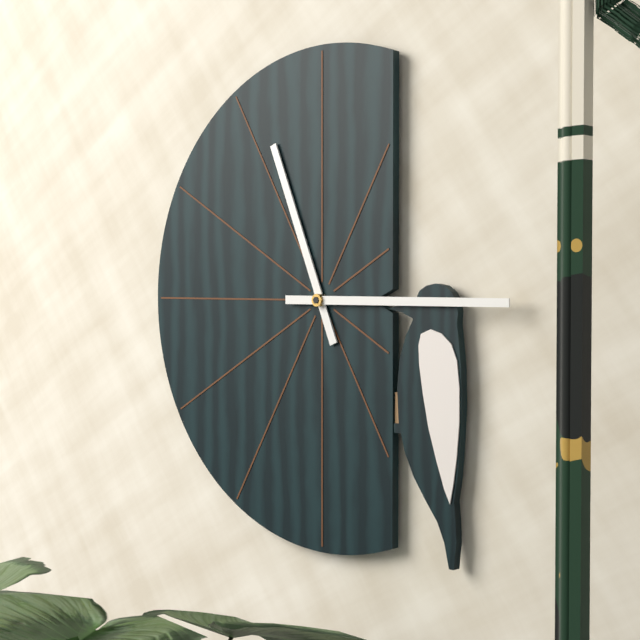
h=11 m=15
